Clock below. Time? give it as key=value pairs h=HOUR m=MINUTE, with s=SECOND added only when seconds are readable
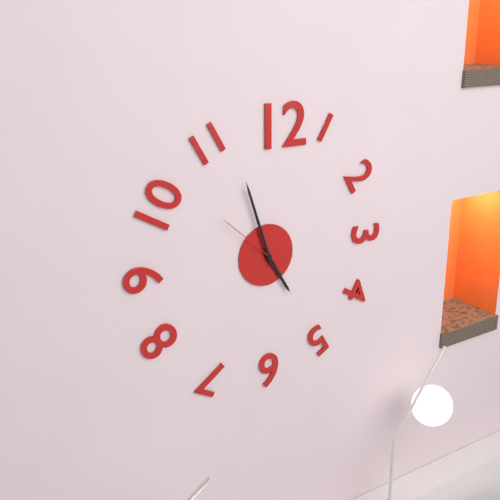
h=4 m=57 s=52
